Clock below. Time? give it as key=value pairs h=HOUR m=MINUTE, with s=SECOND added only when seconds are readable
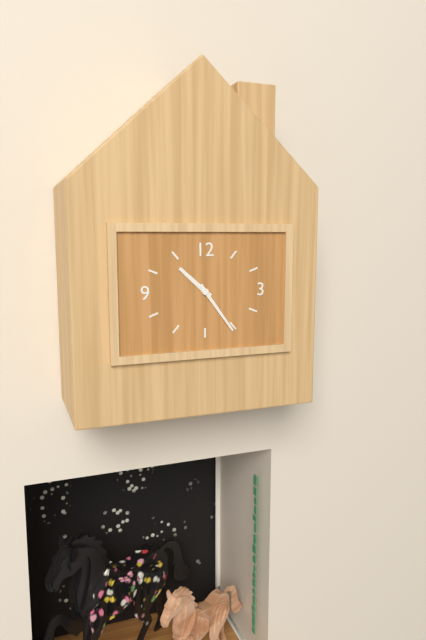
h=10 m=24
